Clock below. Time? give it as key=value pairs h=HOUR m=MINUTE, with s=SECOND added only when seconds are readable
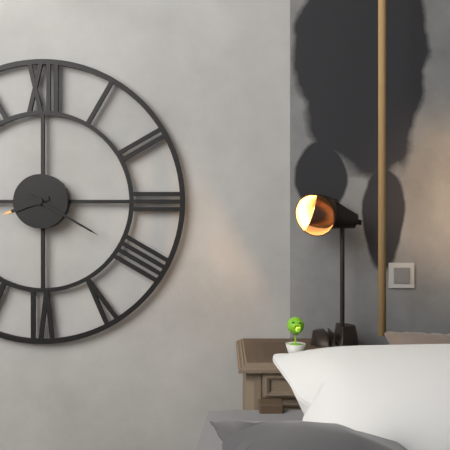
h=8 m=20
